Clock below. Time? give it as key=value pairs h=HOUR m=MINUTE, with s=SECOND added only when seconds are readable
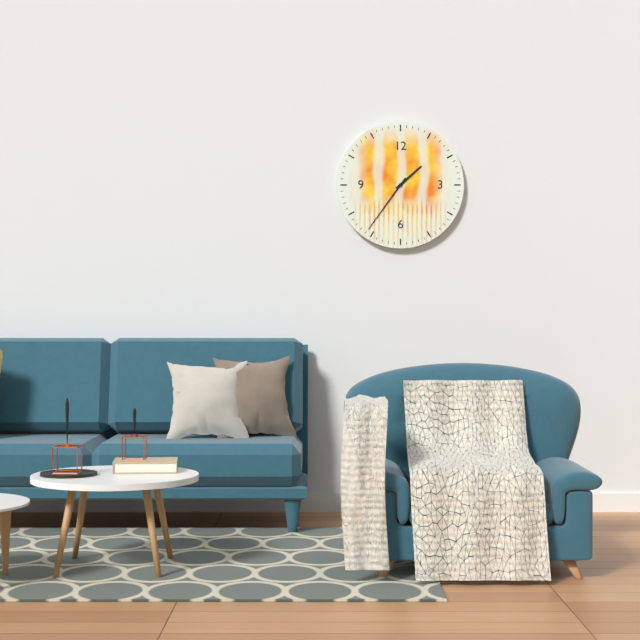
h=1 m=36
